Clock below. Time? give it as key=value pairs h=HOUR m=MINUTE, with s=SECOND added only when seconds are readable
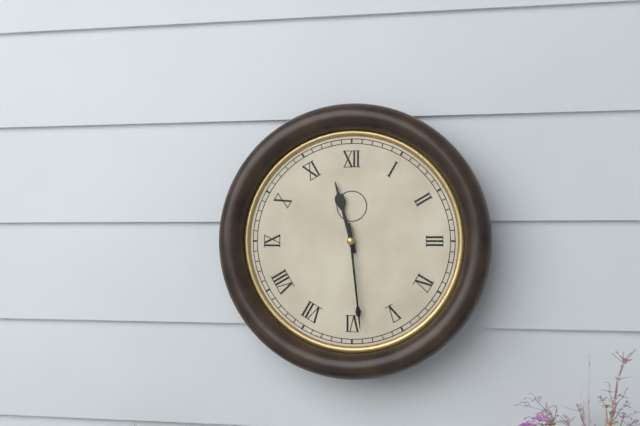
h=11 m=29
